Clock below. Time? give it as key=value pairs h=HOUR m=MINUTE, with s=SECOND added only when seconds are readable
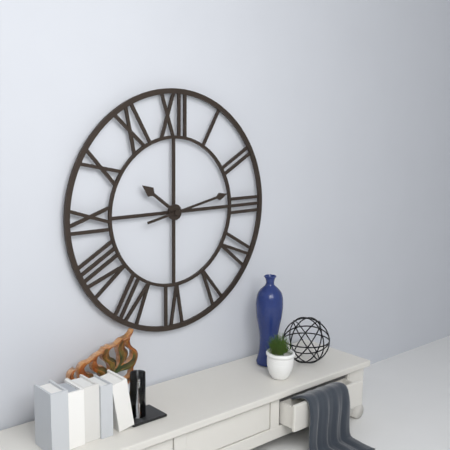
h=10 m=13
